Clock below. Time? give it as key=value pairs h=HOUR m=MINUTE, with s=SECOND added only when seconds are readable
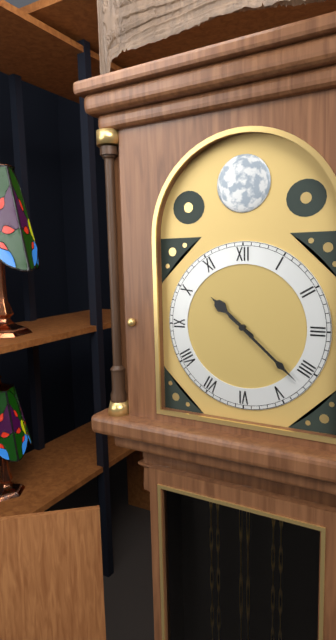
h=10 m=22
